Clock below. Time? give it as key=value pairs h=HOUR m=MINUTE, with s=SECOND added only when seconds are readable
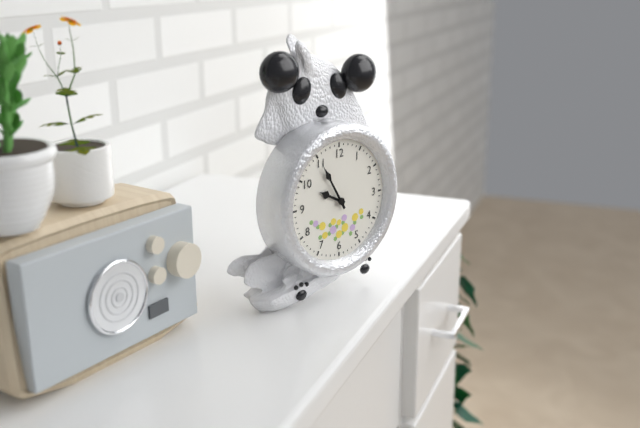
h=9 m=55
